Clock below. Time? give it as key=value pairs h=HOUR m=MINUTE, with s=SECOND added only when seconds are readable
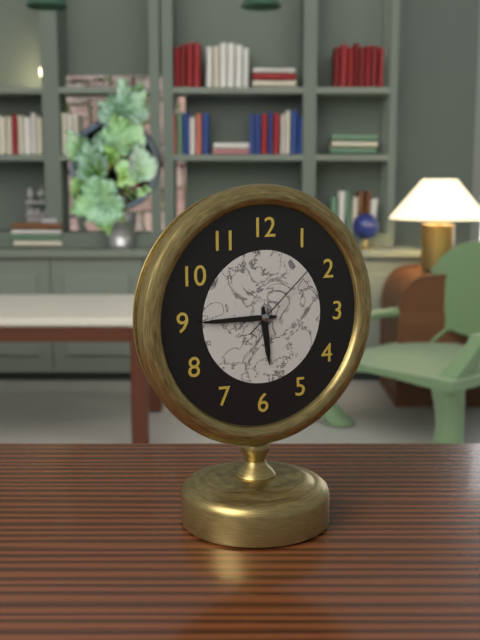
h=5 m=45 s=8
